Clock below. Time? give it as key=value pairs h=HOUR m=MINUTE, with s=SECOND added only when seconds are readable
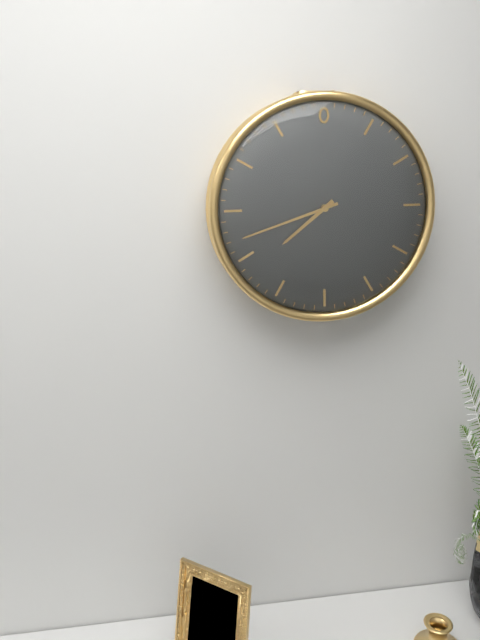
h=7 m=42
